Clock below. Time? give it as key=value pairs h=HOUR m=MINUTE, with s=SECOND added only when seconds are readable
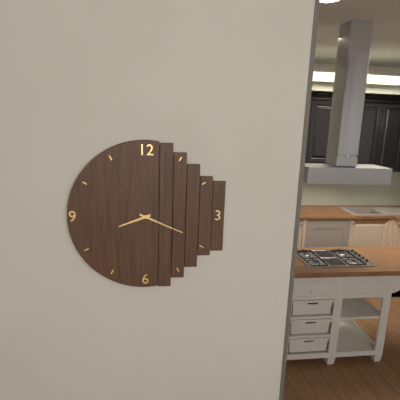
h=8 m=19
